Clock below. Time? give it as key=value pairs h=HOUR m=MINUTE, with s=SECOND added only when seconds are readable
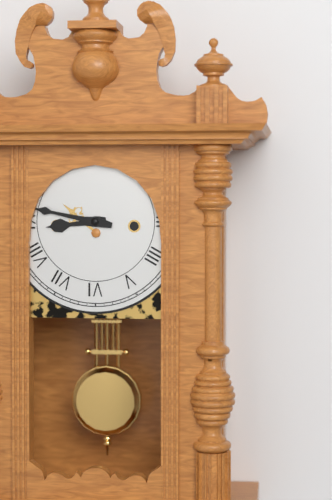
h=8 m=47
